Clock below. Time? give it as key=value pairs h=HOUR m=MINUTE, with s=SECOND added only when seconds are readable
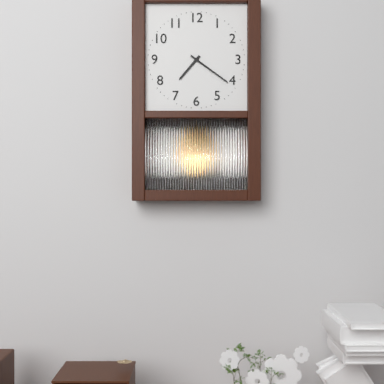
h=7 m=21
